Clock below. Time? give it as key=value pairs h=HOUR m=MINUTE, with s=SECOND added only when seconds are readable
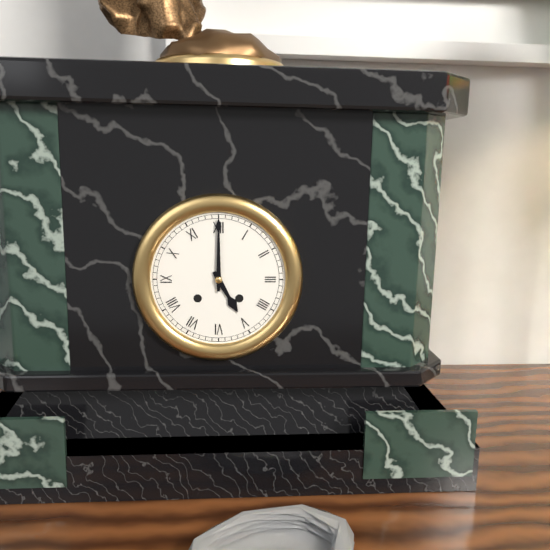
h=5 m=0
